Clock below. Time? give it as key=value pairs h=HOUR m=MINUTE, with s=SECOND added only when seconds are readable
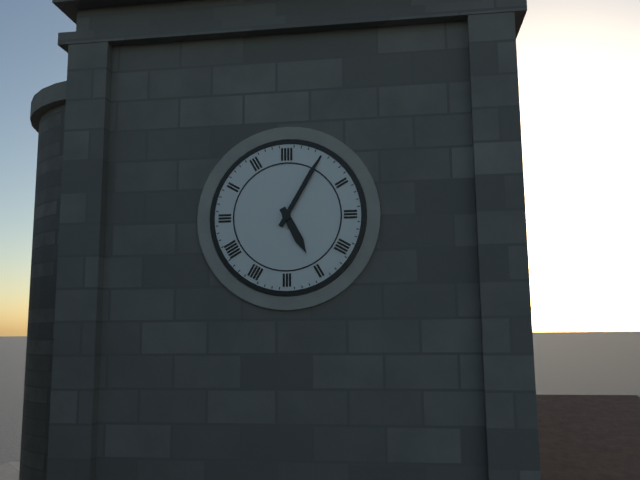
h=5 m=5
